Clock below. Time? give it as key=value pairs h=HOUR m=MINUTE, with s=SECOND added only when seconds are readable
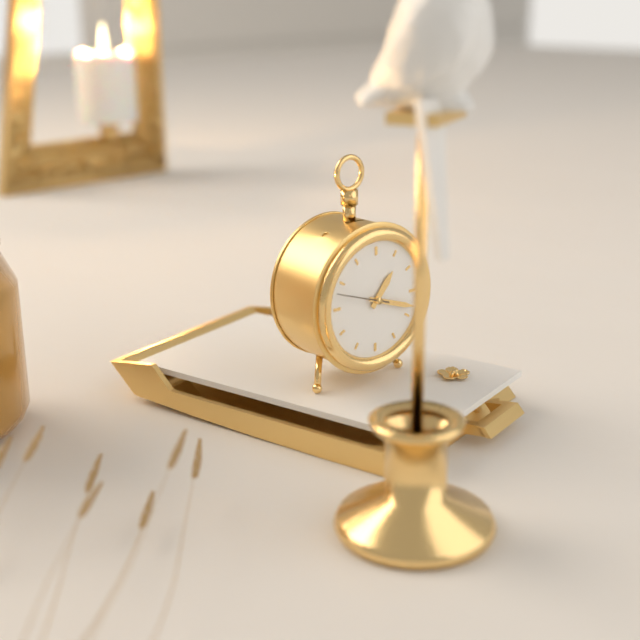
h=1 m=18
